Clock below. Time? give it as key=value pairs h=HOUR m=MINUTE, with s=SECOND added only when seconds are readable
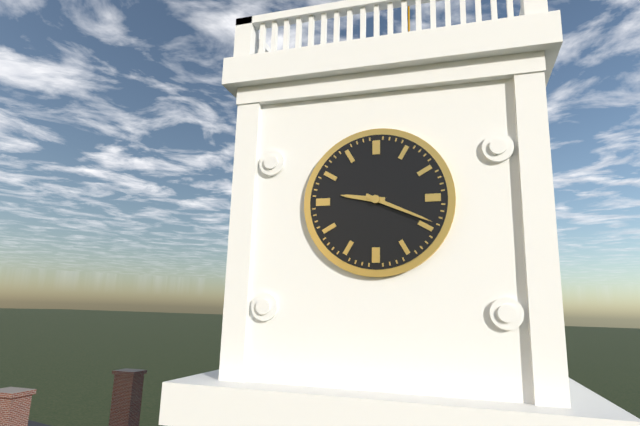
h=9 m=19
